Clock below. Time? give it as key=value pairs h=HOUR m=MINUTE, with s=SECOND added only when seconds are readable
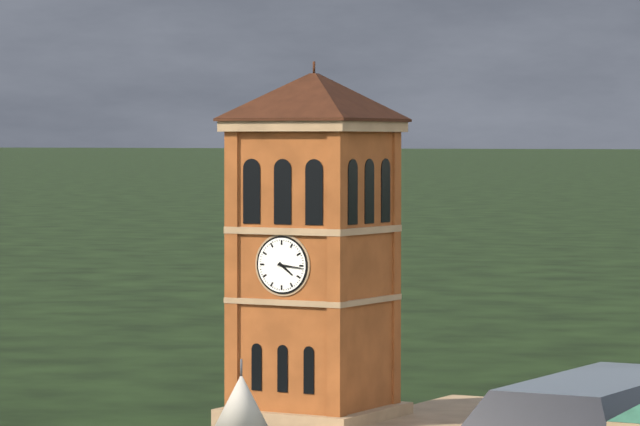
h=4 m=16
